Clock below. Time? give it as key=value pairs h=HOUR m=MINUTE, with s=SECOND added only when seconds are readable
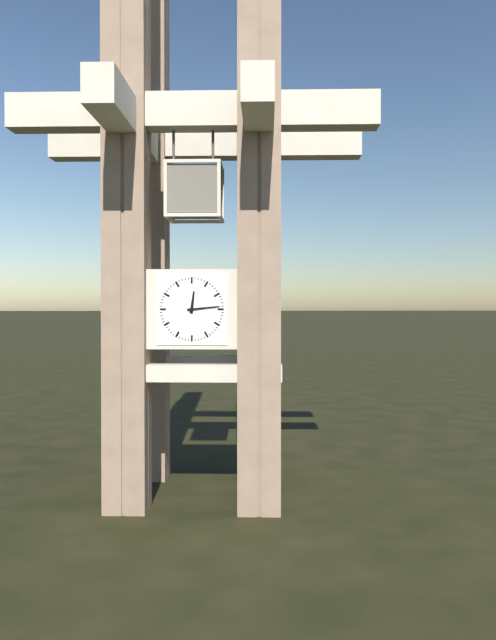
h=12 m=14
